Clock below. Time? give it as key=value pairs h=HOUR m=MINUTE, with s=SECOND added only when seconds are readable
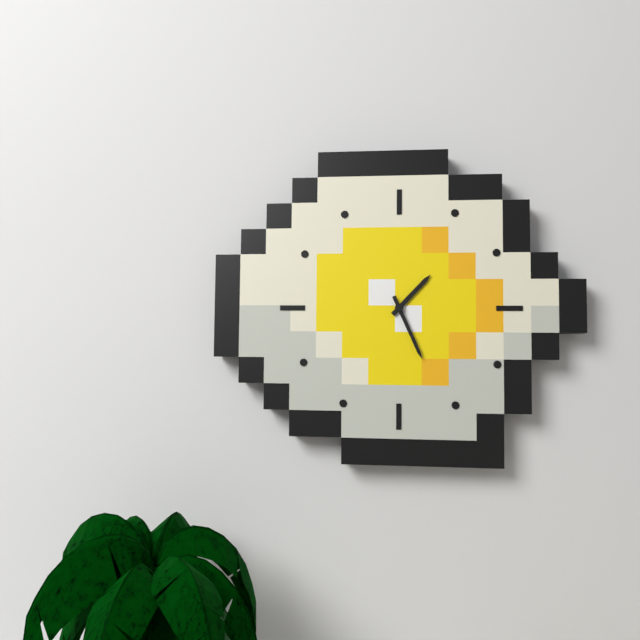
h=1 m=26
